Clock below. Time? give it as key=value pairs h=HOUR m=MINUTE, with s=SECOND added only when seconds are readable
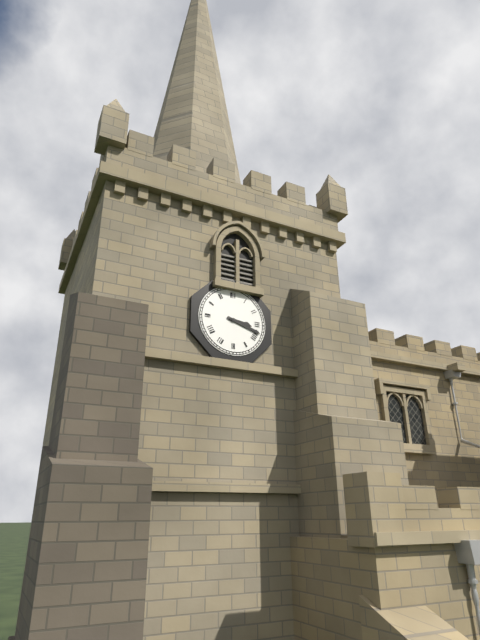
h=3 m=18
